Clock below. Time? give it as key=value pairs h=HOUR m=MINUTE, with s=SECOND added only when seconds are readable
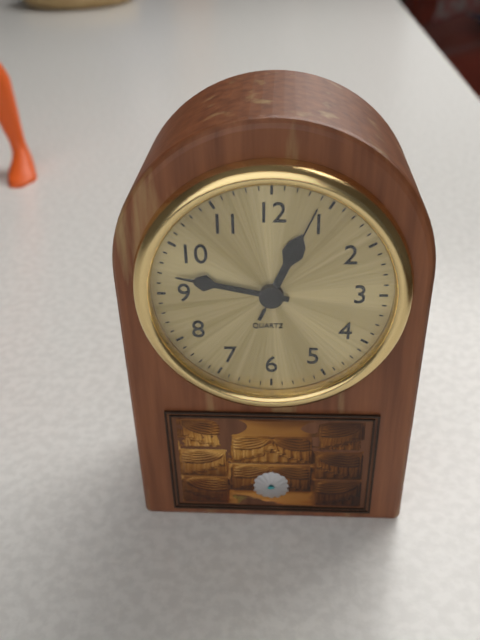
h=12 m=47 s=4
